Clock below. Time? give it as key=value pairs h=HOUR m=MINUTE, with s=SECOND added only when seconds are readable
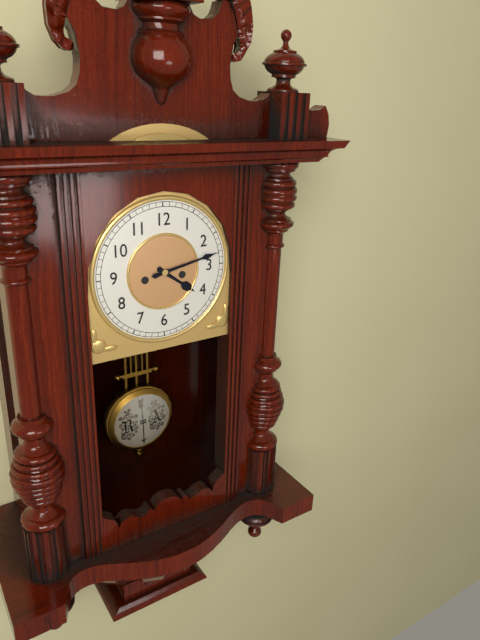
h=4 m=13
